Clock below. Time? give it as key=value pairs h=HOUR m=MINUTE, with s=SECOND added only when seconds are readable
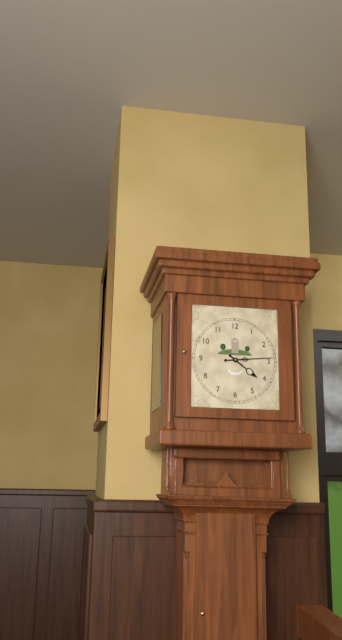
h=4 m=14
